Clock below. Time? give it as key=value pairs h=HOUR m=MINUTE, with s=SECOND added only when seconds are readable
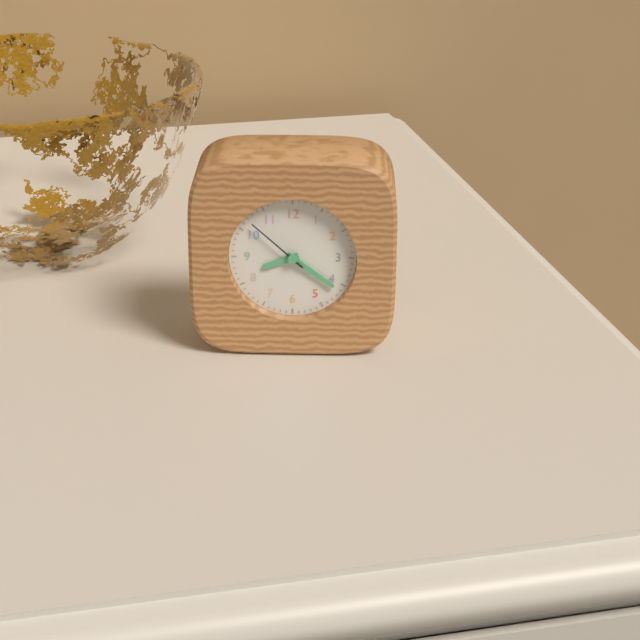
h=8 m=21 s=52
